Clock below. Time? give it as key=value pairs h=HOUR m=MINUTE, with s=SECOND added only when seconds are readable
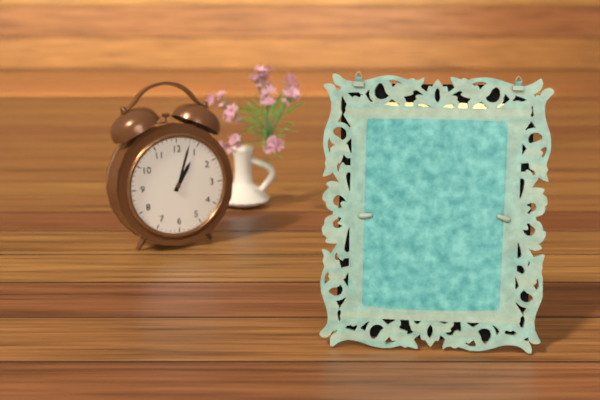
h=1 m=3
